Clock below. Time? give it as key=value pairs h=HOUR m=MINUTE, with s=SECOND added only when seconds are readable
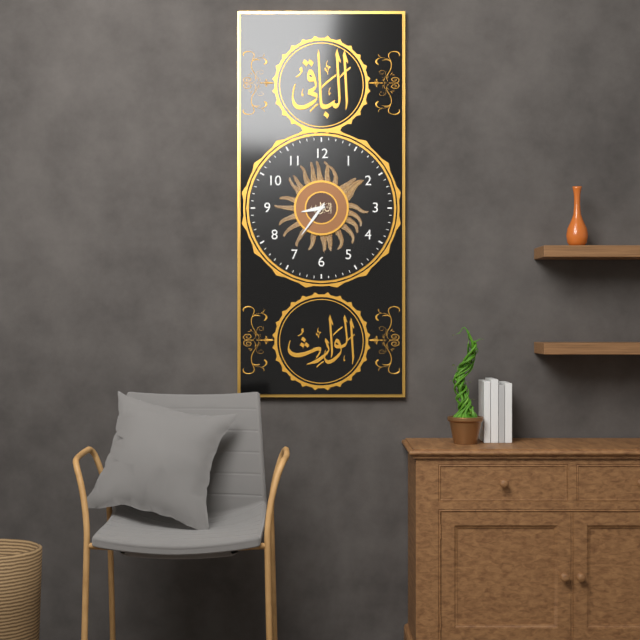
h=8 m=36
